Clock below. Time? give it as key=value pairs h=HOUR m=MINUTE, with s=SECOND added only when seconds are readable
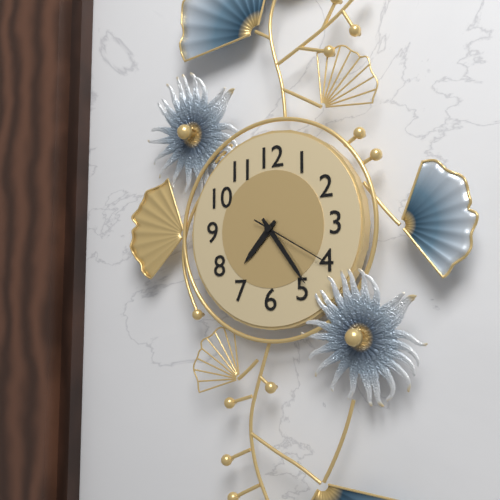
h=7 m=24 s=20
